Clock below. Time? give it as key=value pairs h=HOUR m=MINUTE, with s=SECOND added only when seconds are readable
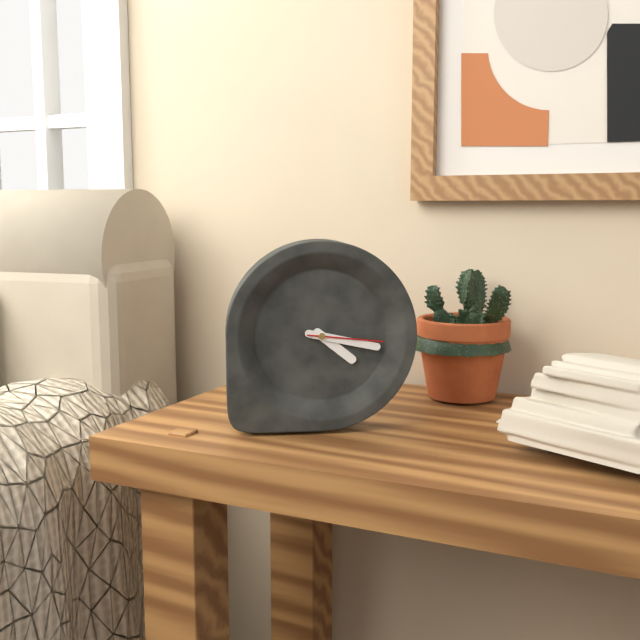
h=4 m=17 s=16
